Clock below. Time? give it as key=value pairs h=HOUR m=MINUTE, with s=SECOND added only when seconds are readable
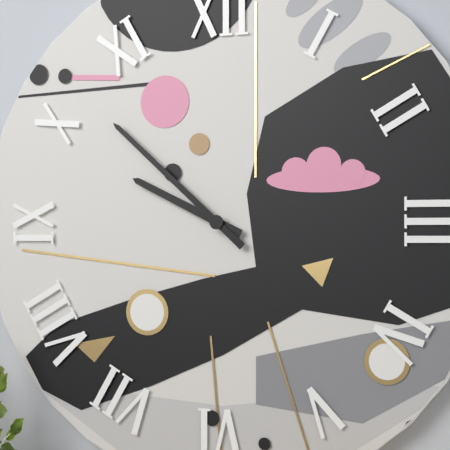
h=9 m=52
